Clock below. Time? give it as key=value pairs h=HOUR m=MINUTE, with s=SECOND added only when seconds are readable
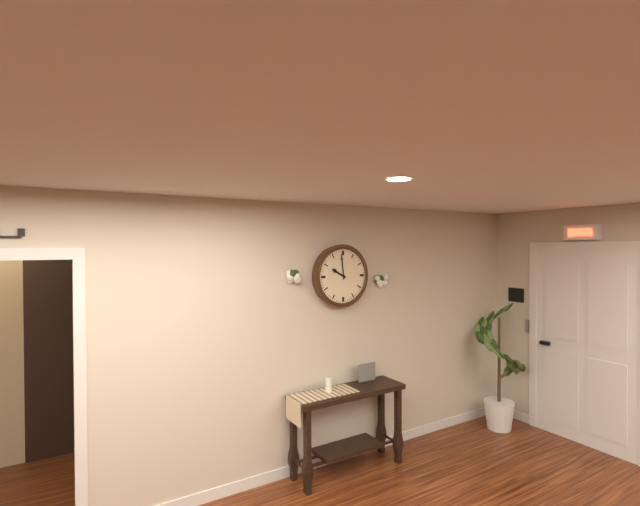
h=9 m=59
